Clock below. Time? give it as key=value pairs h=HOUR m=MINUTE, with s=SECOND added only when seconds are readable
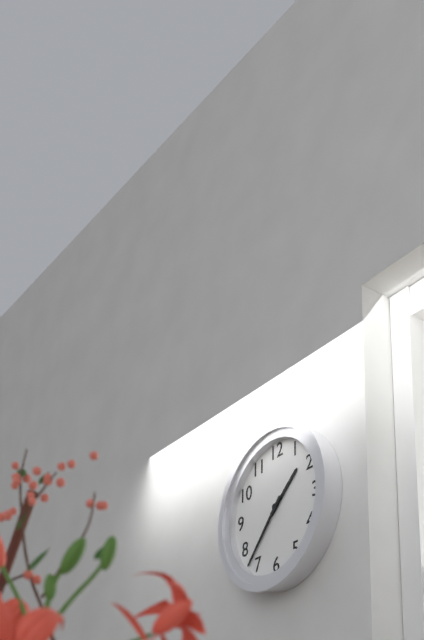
h=1 m=37
